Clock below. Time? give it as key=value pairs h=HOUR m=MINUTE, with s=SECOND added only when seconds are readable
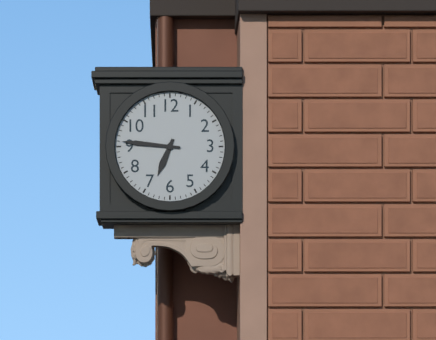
h=6 m=46
